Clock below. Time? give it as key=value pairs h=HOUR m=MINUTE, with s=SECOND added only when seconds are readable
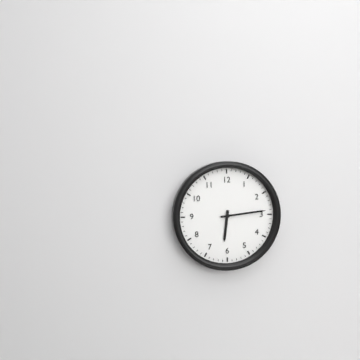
h=6 m=14
